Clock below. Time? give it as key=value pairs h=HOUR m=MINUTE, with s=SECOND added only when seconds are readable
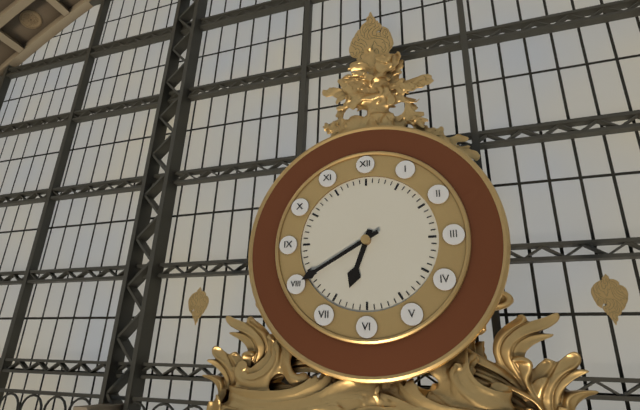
h=6 m=40
